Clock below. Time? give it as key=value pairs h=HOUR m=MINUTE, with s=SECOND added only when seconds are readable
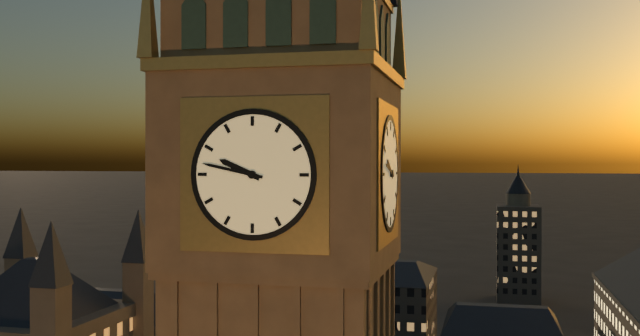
h=9 m=47
